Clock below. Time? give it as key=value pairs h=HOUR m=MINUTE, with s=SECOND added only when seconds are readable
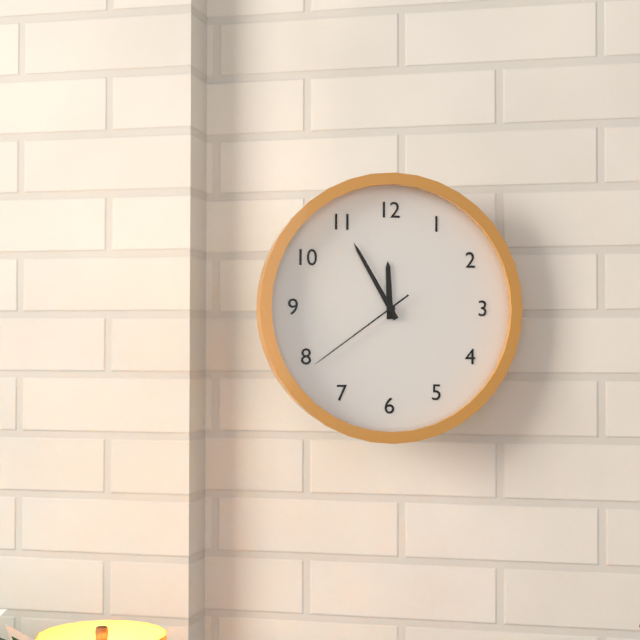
h=11 m=55 s=39
